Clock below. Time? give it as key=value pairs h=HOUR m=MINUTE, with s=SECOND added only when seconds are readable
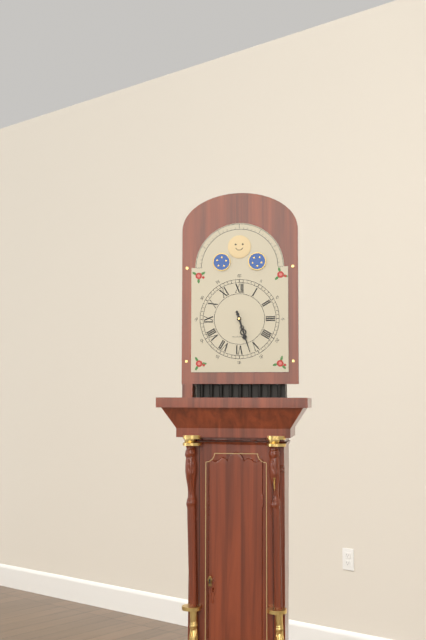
h=5 m=27
